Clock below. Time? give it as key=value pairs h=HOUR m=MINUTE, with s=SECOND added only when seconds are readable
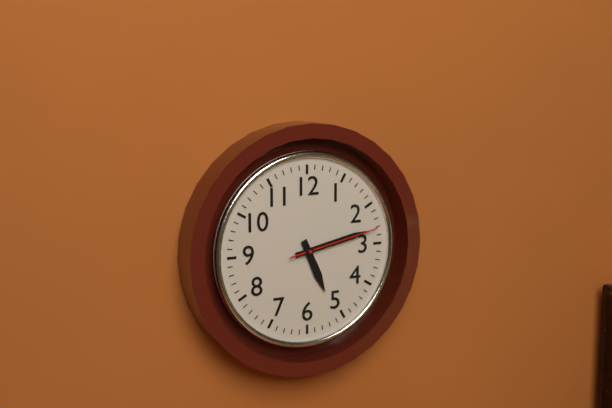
h=5 m=13 s=13
